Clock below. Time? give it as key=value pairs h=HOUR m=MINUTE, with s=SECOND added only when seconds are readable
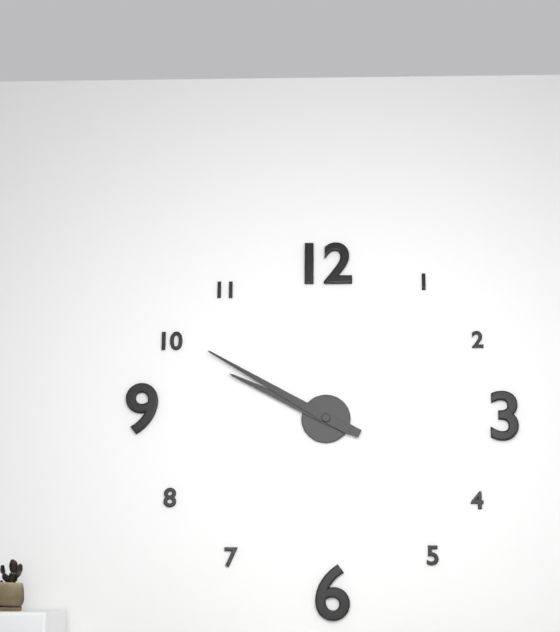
h=9 m=50
